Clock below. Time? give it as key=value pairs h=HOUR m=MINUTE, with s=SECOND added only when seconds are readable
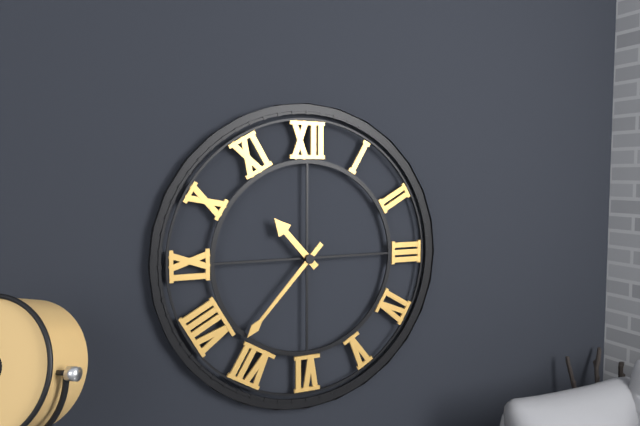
h=10 m=37
